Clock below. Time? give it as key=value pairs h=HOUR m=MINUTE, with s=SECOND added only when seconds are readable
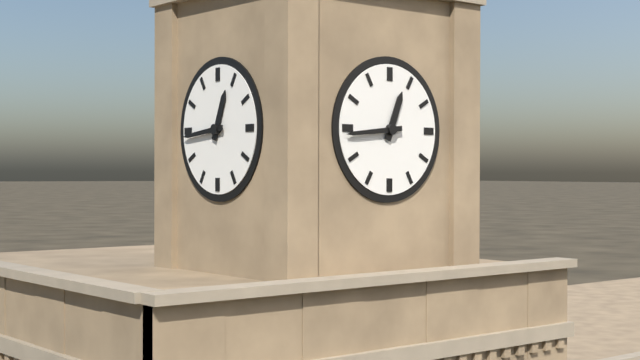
h=12 m=44
